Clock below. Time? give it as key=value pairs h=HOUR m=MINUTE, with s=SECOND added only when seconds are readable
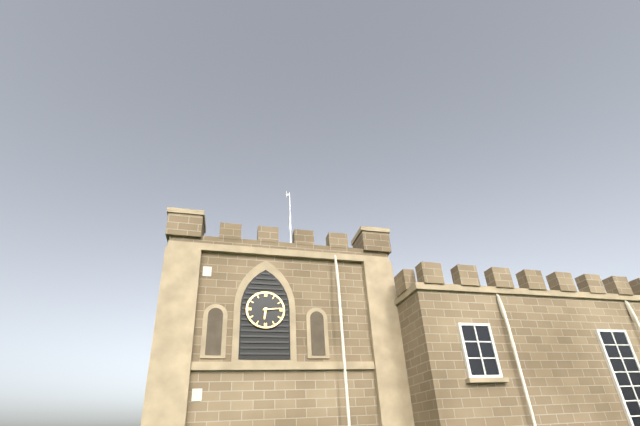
h=6 m=14
